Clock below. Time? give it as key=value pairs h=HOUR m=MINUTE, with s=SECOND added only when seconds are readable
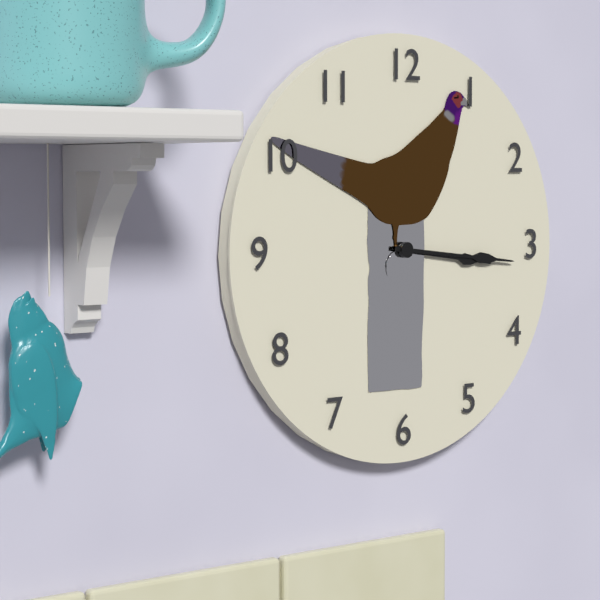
h=3 m=16
